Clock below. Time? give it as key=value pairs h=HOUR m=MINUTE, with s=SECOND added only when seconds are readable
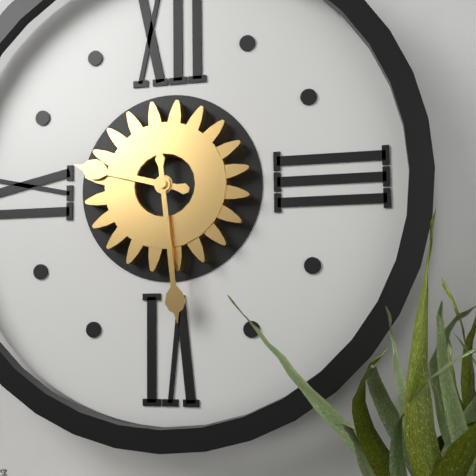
h=9 m=29
